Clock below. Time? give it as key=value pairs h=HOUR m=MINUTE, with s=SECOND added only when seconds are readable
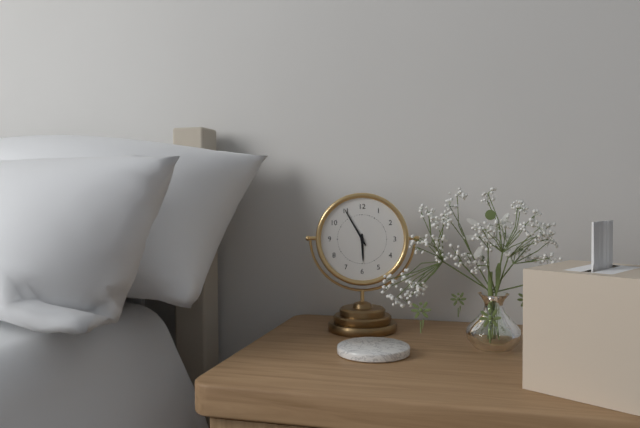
h=5 m=55
